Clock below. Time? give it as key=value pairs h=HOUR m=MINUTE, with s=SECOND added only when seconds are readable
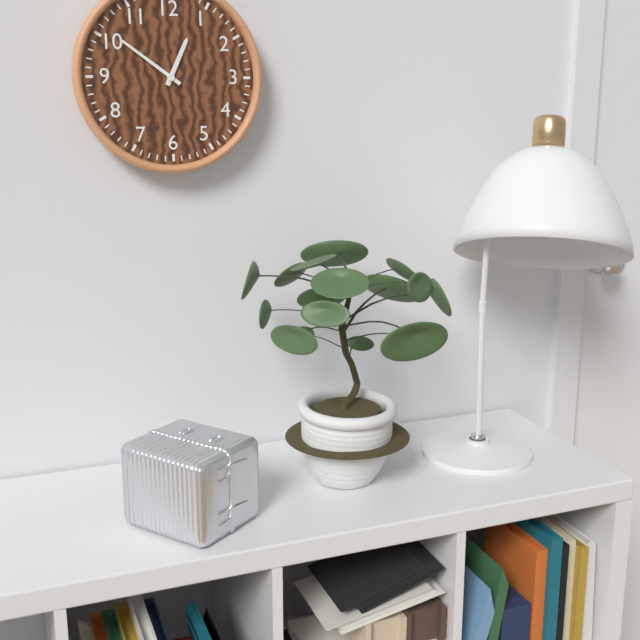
h=12 m=51
